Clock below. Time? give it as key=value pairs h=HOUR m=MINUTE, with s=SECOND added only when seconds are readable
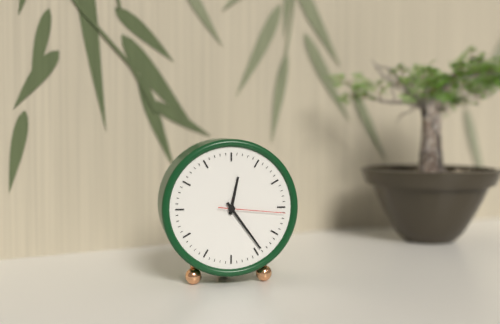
h=12 m=24 s=16
